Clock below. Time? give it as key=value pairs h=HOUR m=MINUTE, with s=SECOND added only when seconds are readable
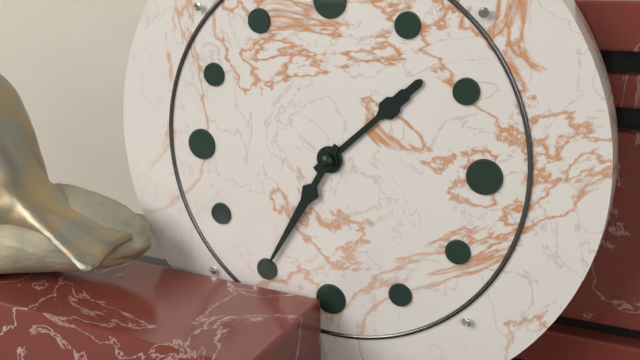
h=1 m=35
